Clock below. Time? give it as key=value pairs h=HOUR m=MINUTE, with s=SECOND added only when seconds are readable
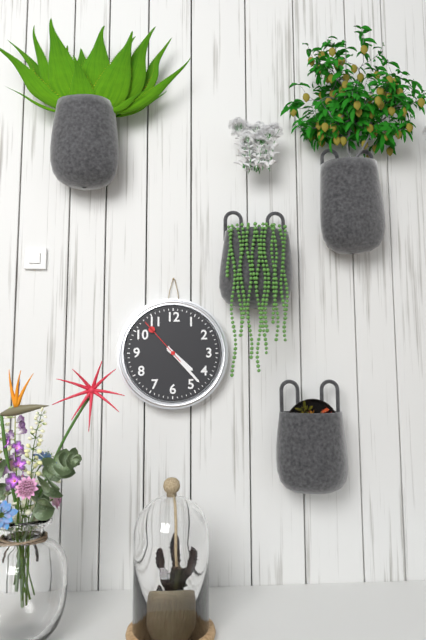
h=4 m=23 s=53
